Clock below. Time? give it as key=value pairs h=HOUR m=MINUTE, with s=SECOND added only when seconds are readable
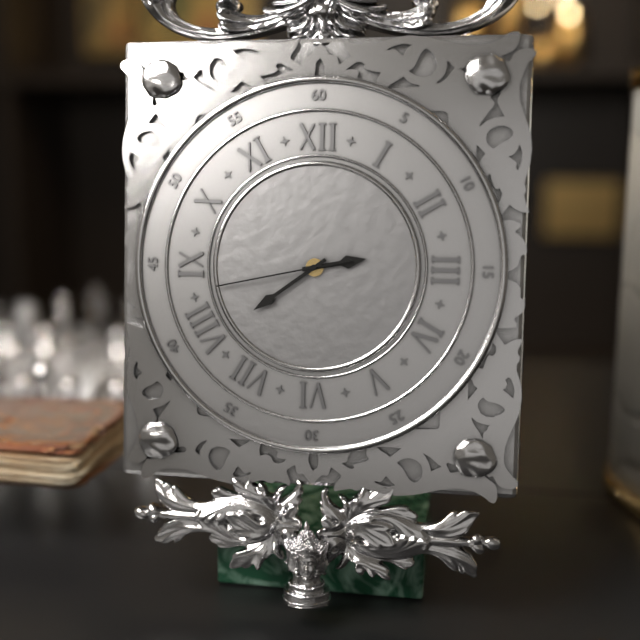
h=2 m=39 s=43
